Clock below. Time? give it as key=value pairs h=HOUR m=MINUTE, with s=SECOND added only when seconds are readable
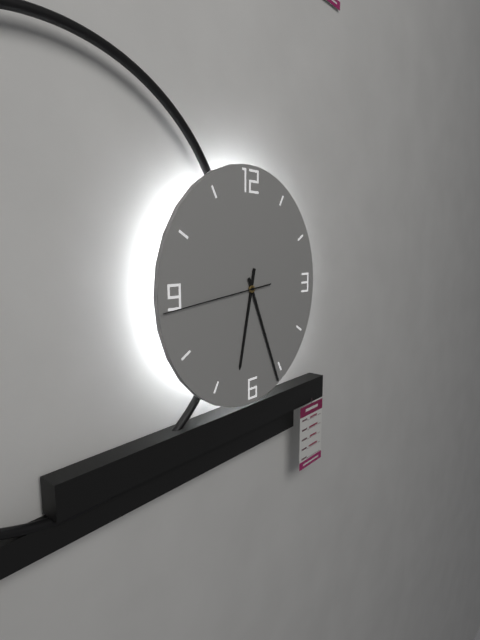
h=6 m=26 s=44
